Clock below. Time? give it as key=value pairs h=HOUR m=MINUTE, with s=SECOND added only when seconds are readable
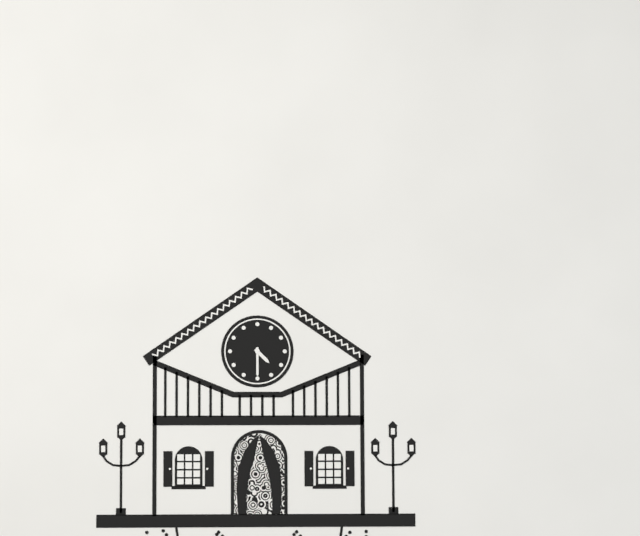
h=4 m=30
